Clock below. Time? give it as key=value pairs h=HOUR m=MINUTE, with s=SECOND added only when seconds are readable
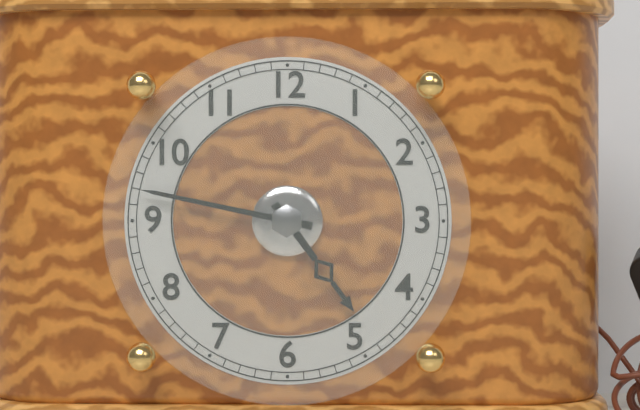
h=4 m=47
